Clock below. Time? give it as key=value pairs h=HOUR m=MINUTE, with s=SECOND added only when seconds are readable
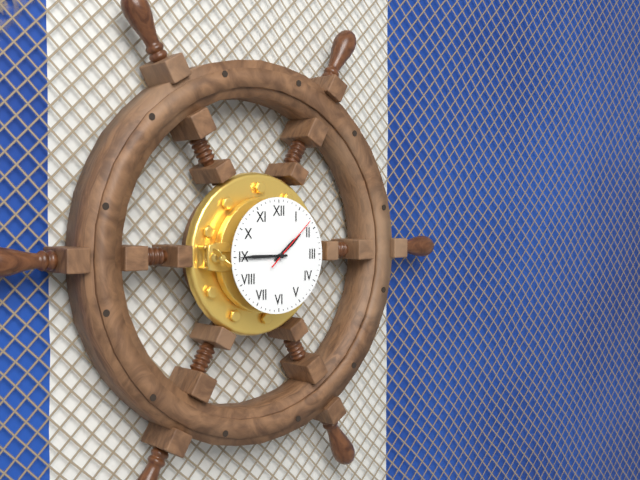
h=1 m=45 s=8
